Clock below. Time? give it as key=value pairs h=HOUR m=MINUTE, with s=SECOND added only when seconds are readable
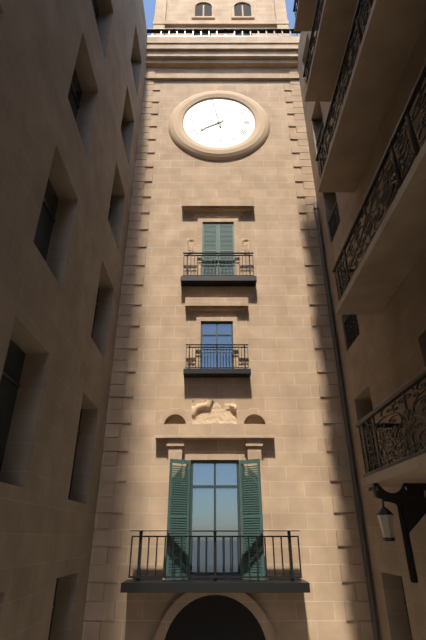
h=7 m=58
